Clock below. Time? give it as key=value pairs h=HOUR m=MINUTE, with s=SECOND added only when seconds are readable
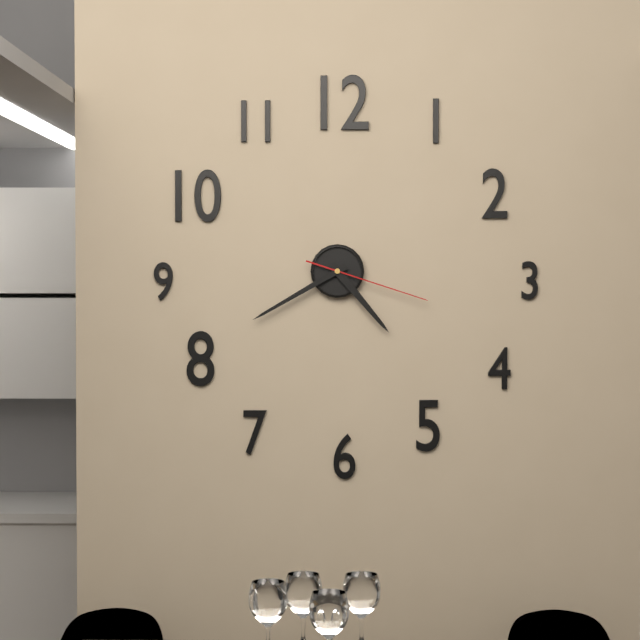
h=4 m=40 s=18
